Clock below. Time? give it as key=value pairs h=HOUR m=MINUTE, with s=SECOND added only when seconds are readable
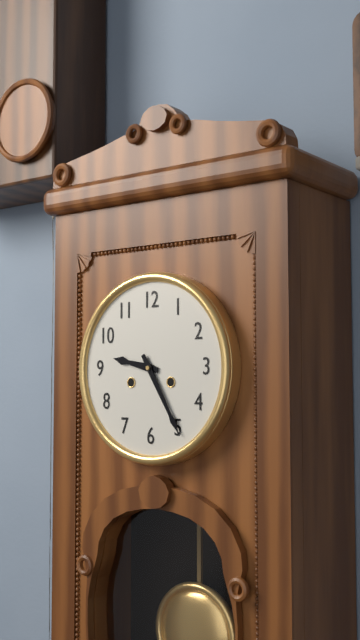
h=9 m=25
